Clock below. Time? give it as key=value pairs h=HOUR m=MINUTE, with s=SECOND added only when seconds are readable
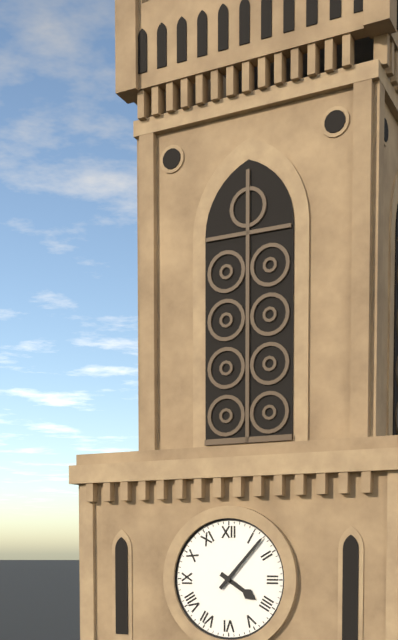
h=4 m=7
